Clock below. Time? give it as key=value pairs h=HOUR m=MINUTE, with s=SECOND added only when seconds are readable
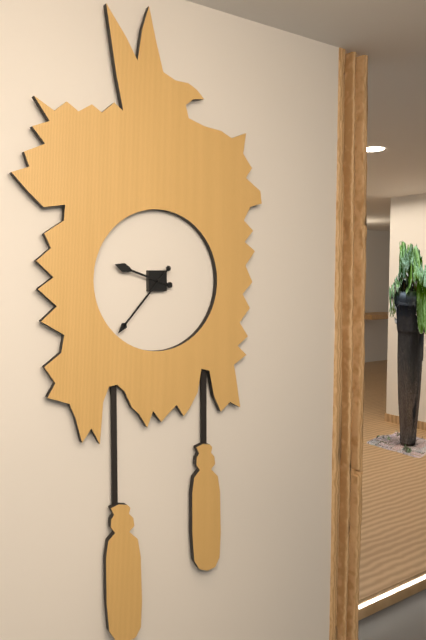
h=9 m=37
